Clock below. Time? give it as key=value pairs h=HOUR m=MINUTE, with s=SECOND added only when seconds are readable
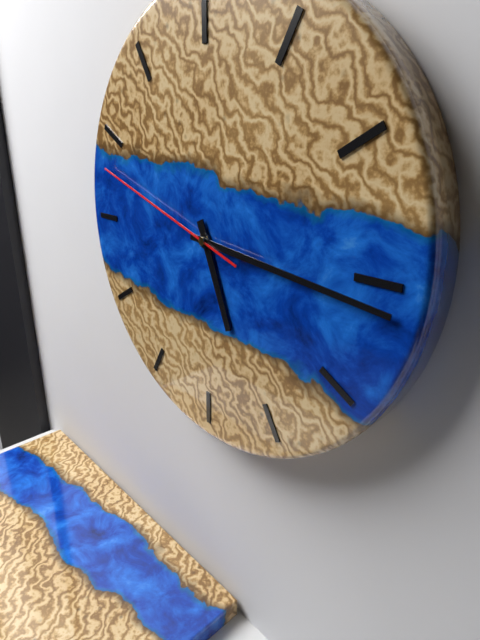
h=5 m=16 s=48
